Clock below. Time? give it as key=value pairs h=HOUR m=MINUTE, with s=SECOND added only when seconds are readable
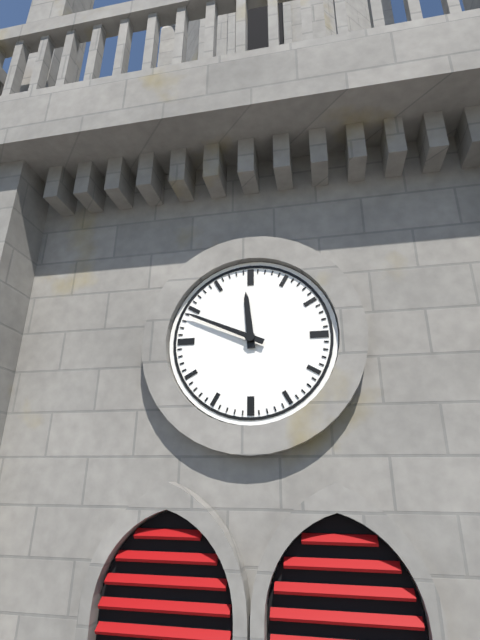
h=11 m=49
